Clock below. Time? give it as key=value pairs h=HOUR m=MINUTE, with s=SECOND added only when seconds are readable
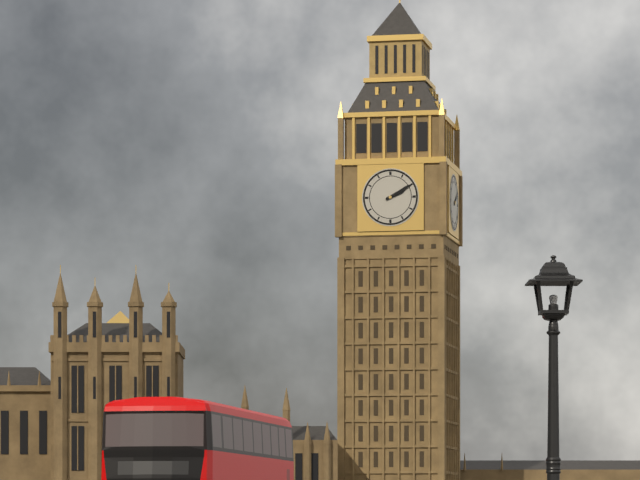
h=2 m=10
